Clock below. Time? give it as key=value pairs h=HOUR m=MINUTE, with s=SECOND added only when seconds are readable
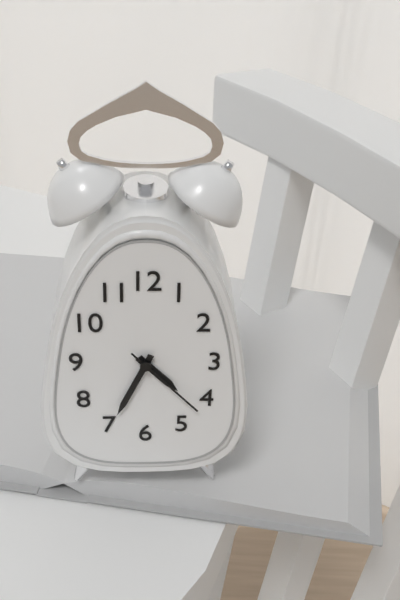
h=4 m=34 s=23
